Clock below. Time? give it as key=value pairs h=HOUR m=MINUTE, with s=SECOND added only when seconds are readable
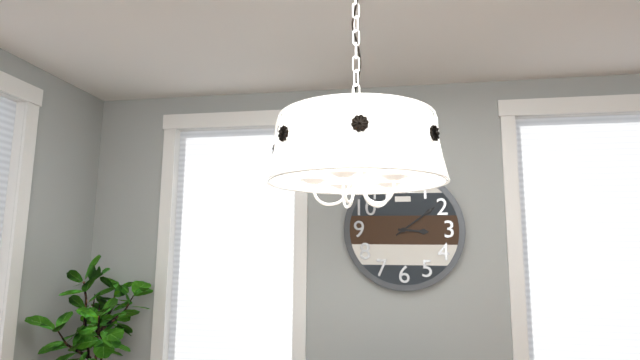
h=3 m=9
